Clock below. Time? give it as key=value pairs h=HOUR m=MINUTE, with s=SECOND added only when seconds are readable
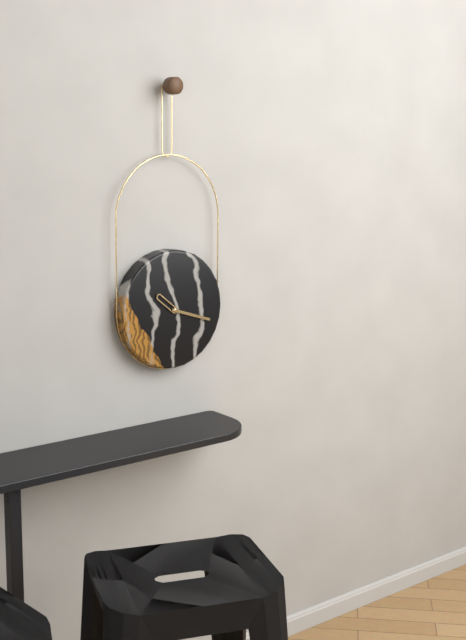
h=10 m=18
